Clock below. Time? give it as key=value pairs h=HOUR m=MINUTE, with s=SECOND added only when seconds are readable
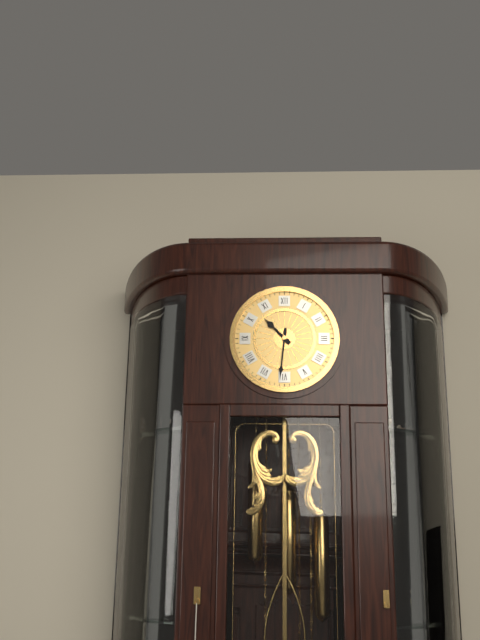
h=10 m=31
